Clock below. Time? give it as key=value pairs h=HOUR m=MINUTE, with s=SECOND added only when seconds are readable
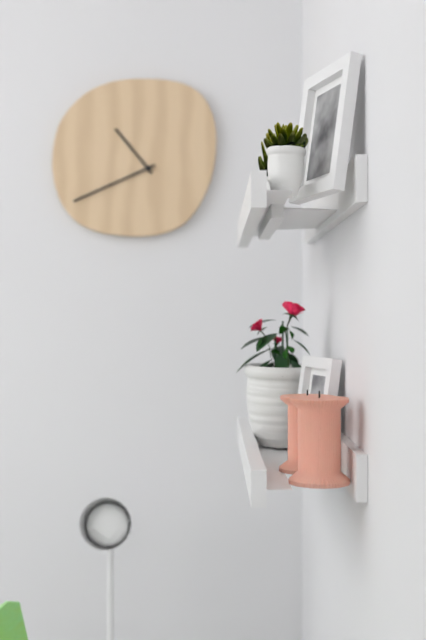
h=10 m=41
